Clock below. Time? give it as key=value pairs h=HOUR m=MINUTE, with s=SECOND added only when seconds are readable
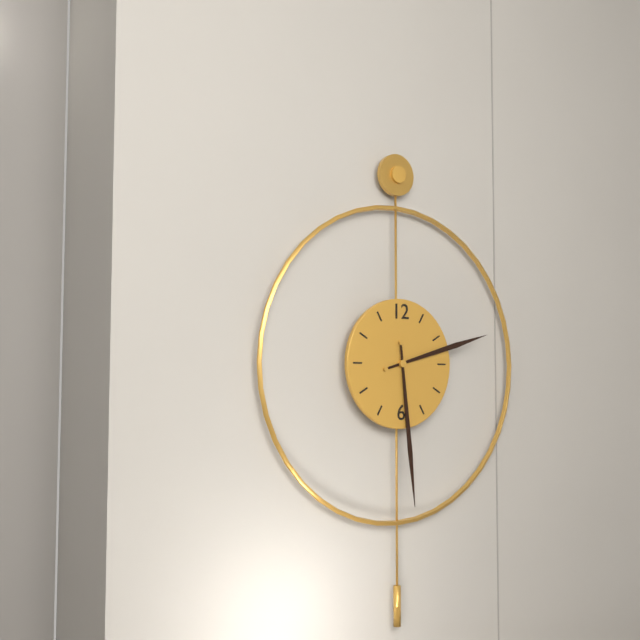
h=2 m=29
